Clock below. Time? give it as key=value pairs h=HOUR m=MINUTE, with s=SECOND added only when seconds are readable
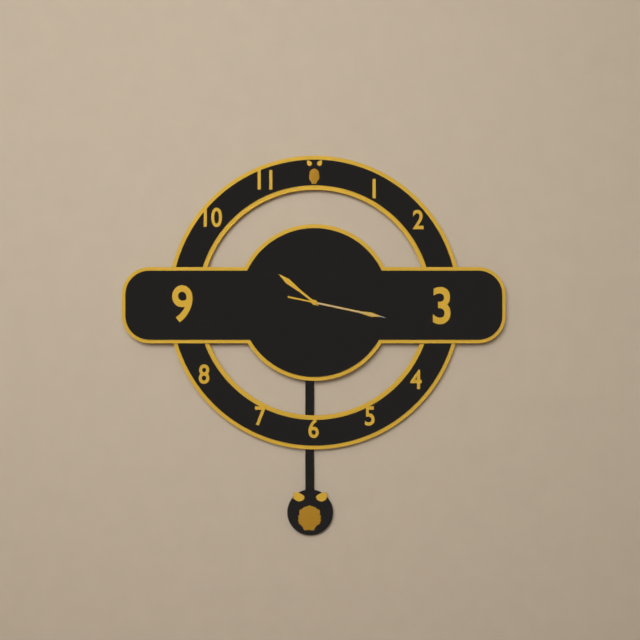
h=10 m=17 s=17
